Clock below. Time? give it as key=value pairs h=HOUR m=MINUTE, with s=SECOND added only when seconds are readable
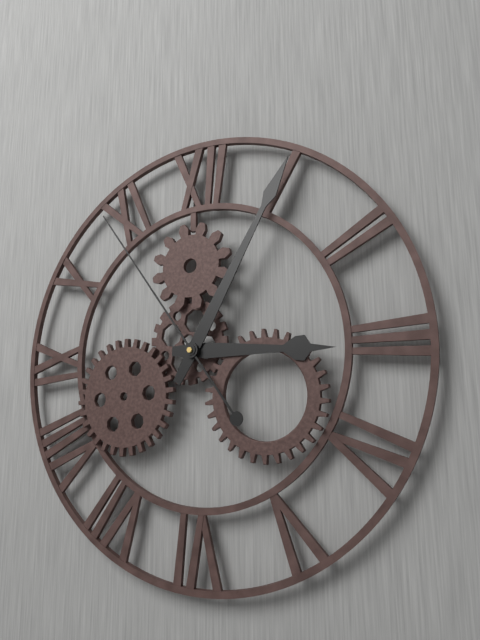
h=3 m=5 s=54
